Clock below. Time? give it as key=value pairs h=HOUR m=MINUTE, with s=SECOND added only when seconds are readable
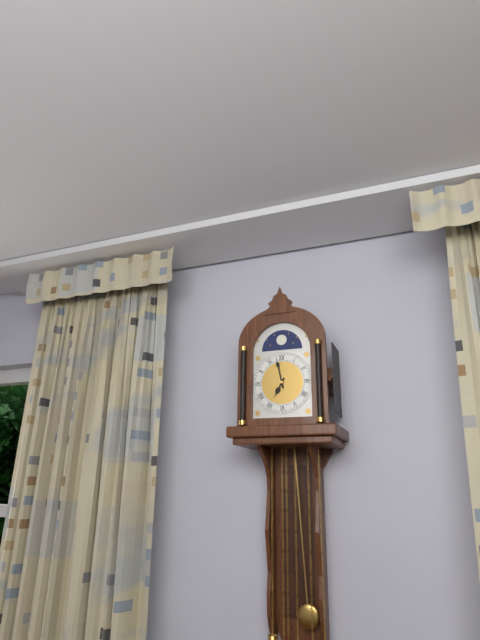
h=6 m=58
